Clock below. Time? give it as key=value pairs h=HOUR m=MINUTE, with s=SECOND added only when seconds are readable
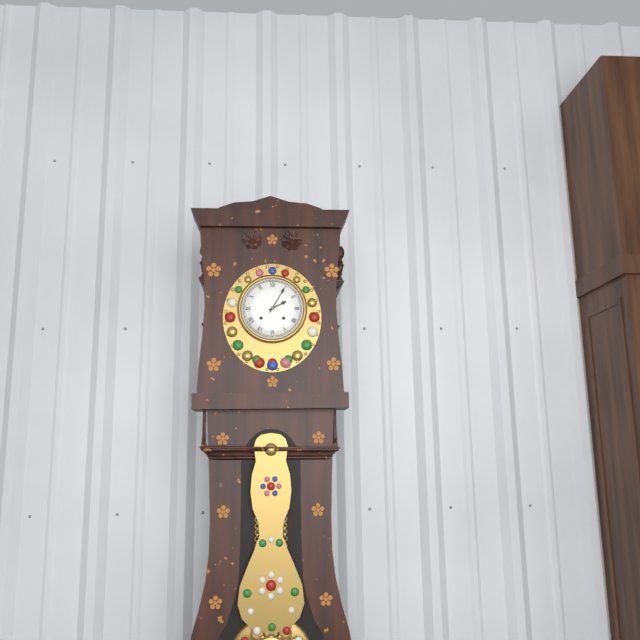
h=2 m=5
